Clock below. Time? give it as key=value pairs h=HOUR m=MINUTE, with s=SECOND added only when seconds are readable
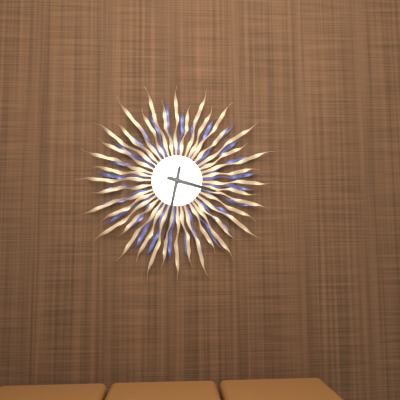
h=3 m=32
